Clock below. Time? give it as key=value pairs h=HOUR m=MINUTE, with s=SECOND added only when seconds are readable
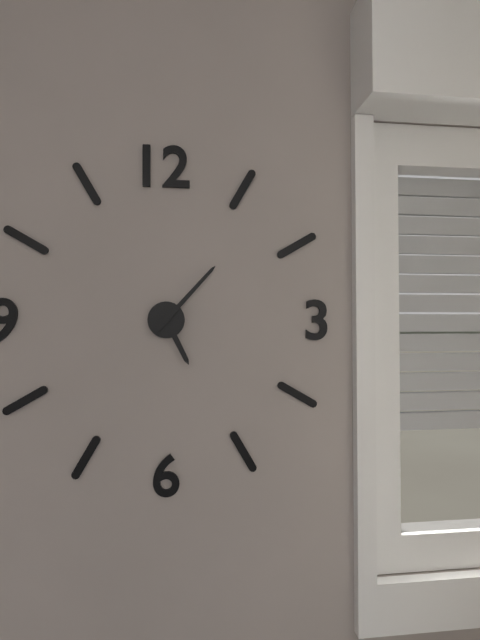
h=5 m=7
